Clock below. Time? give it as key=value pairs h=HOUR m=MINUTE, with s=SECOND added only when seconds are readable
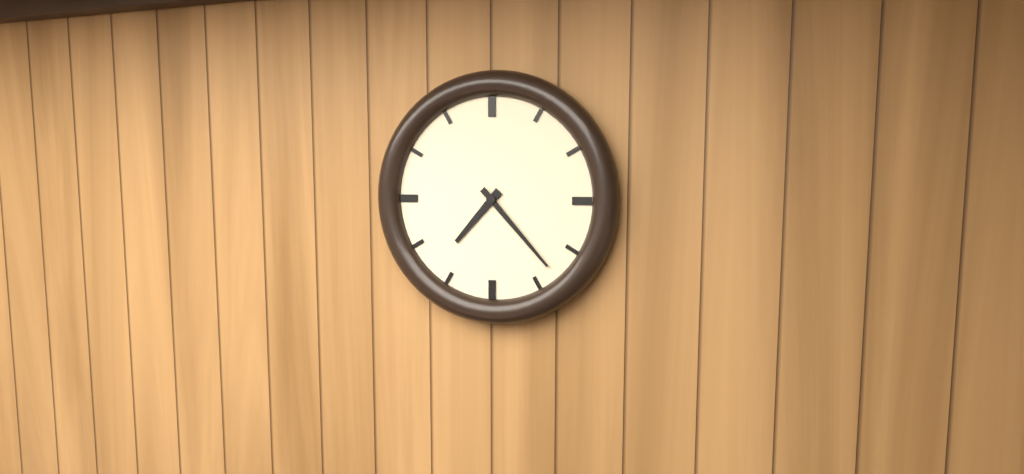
h=7 m=23
